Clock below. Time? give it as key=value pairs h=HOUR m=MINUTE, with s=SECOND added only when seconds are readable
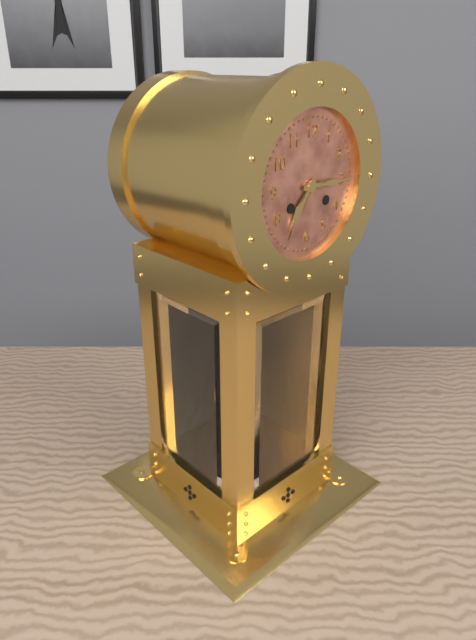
h=7 m=15
